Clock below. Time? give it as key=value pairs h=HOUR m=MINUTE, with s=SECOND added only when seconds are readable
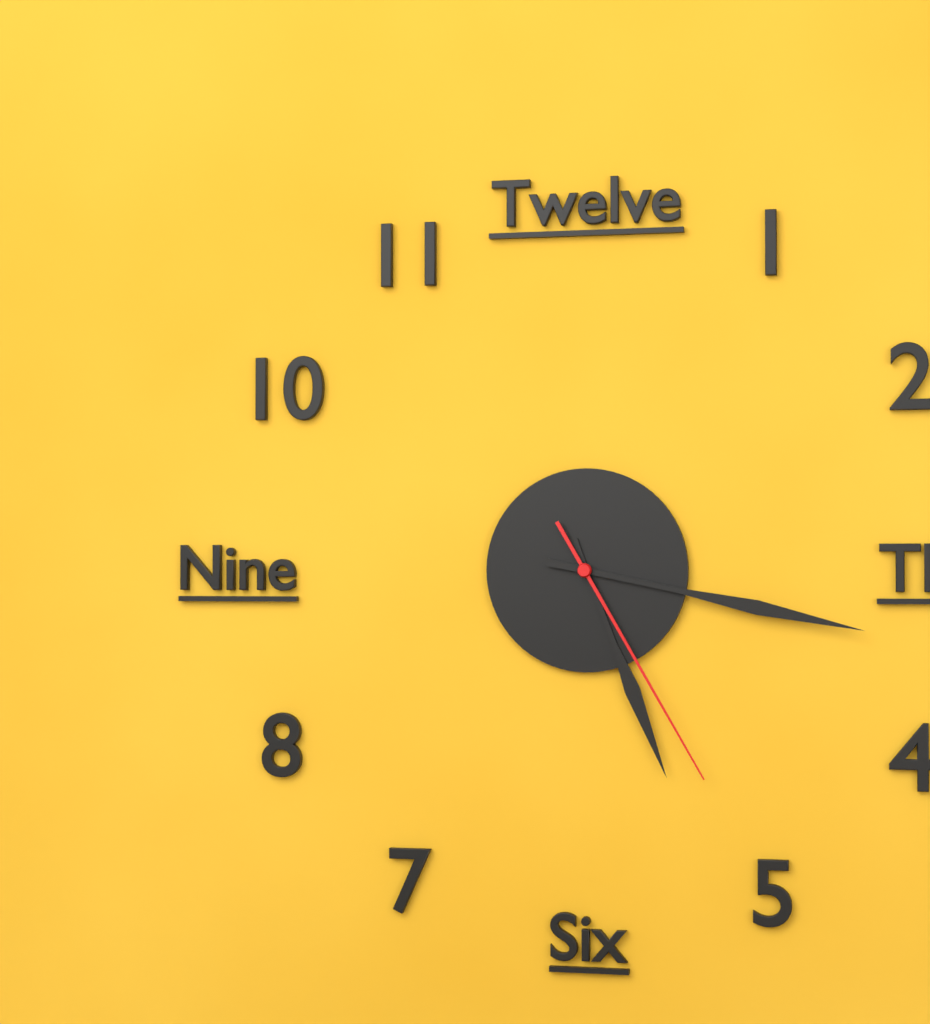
h=5 m=17 s=25
